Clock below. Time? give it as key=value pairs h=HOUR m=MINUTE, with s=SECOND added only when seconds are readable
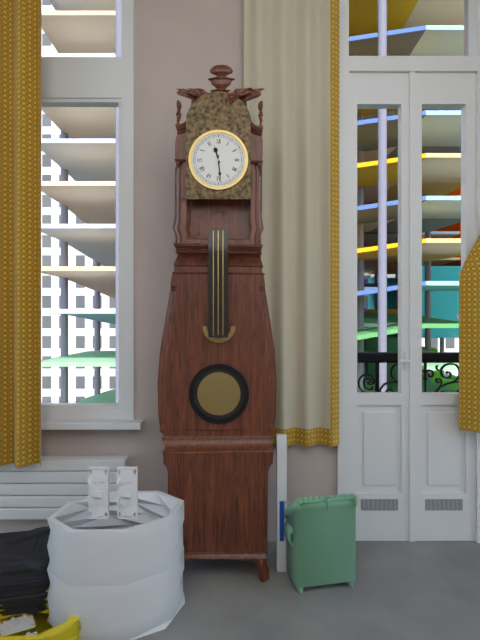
h=11 m=29
